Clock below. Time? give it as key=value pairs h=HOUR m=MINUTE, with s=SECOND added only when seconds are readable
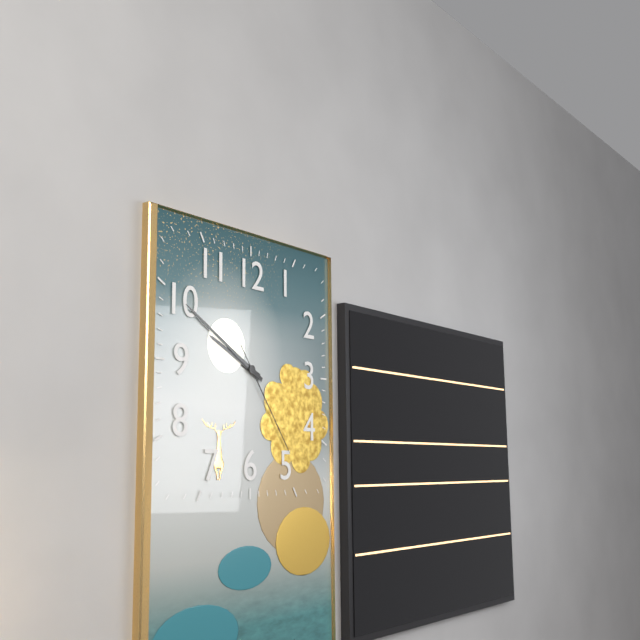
h=9 m=50 s=24
